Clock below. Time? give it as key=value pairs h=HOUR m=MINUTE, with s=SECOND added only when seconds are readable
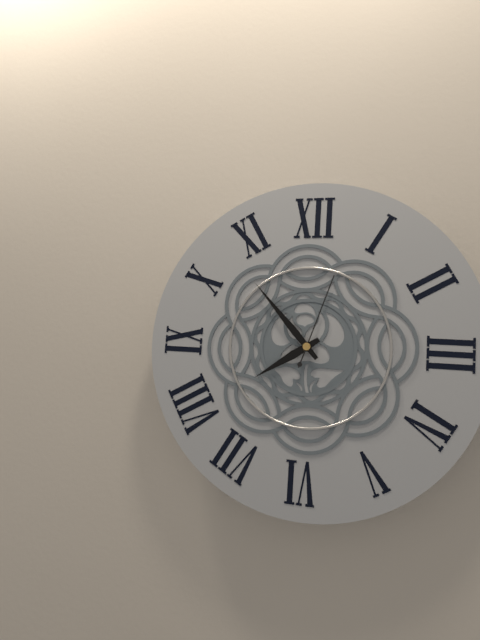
h=7 m=53 s=3
